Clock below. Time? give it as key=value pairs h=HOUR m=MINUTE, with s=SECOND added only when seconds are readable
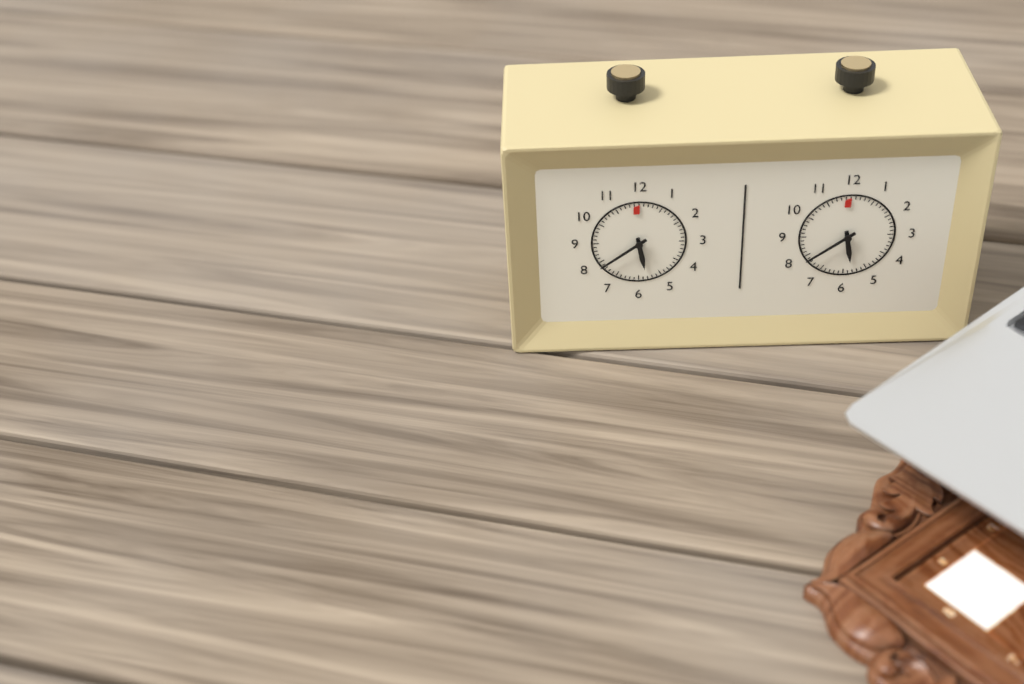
h=5 m=39
